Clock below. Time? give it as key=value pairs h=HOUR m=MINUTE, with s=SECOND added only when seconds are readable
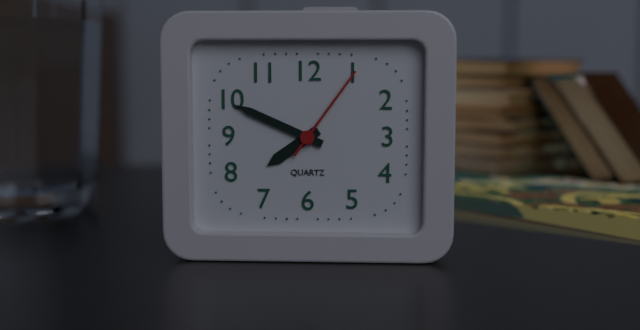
h=7 m=49 s=6
